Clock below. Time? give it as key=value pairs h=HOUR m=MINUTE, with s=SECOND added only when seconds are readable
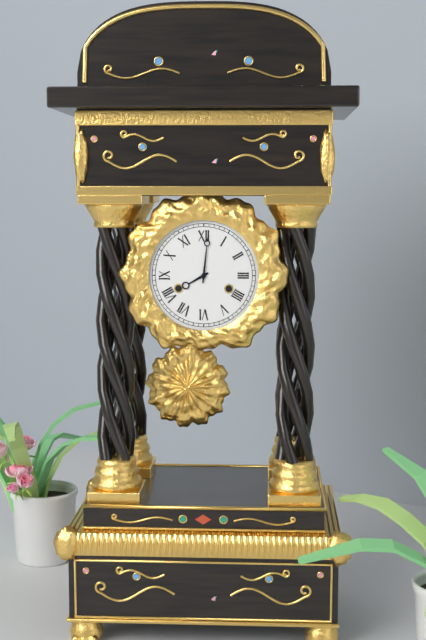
h=8 m=1
